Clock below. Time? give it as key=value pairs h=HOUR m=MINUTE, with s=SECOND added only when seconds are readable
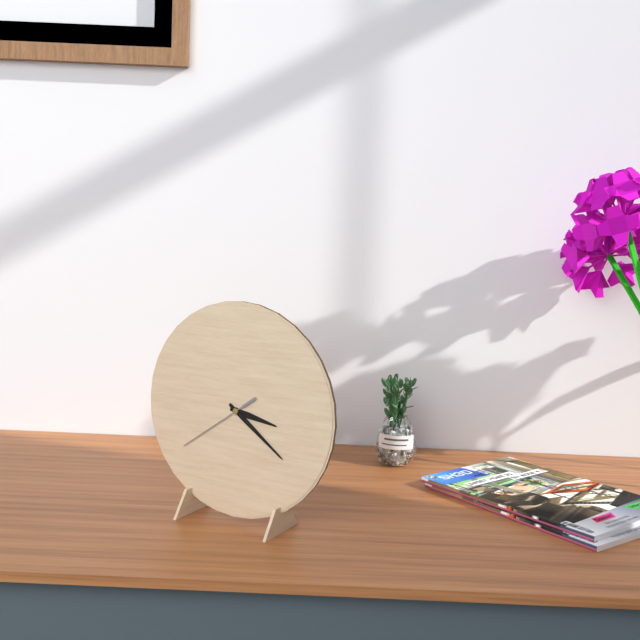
h=3 m=21 s=39
